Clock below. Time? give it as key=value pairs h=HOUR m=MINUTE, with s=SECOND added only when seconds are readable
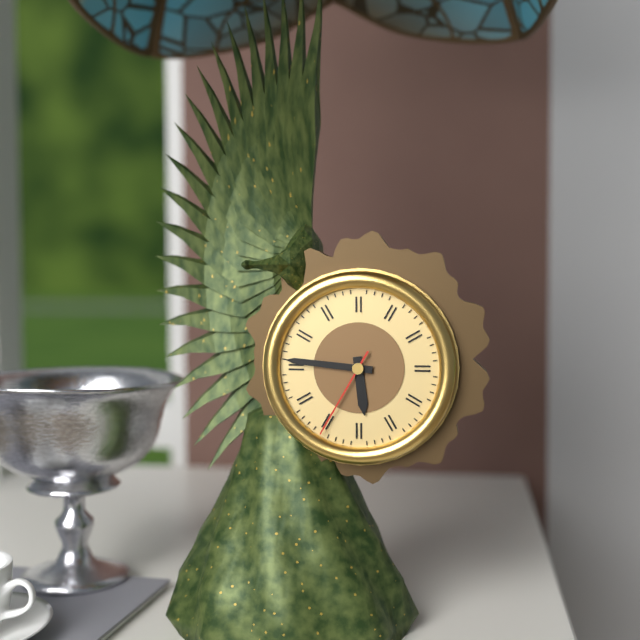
h=5 m=46 s=35
